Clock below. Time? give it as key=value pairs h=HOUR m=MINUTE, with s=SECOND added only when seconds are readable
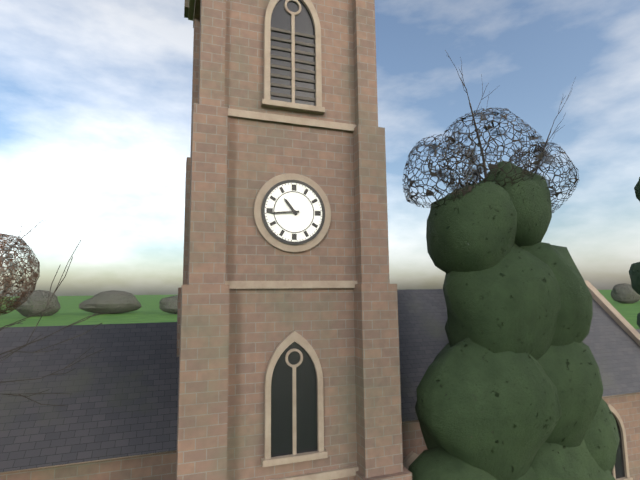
h=10 m=44
